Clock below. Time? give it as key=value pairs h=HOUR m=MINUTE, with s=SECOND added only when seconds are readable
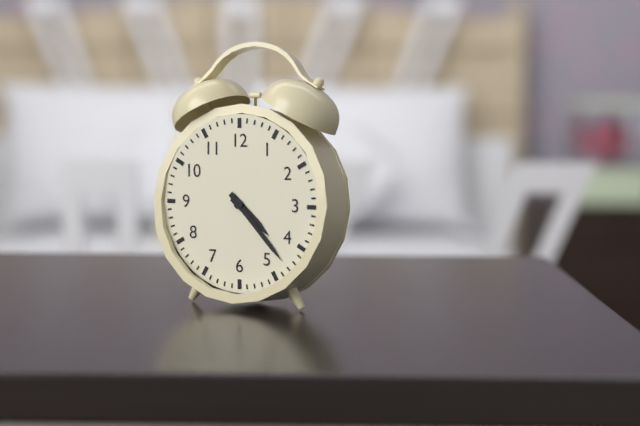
h=4 m=23
